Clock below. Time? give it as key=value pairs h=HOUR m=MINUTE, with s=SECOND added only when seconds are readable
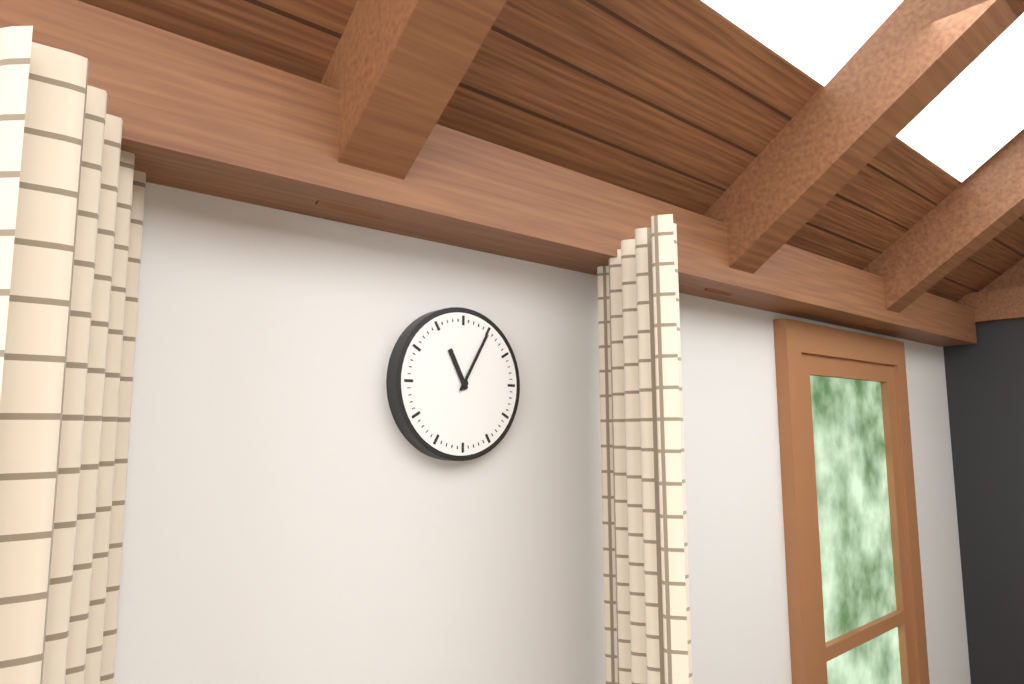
h=11 m=5
